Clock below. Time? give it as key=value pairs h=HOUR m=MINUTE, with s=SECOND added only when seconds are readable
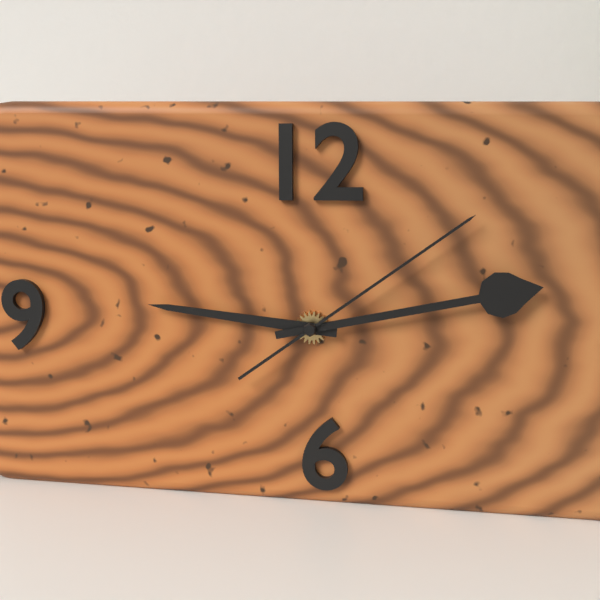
h=9 m=13 s=9
